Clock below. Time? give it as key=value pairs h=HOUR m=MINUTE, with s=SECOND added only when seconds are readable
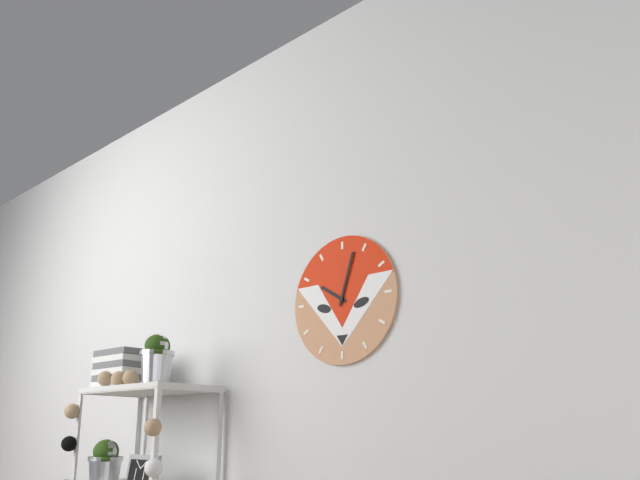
h=10 m=3
